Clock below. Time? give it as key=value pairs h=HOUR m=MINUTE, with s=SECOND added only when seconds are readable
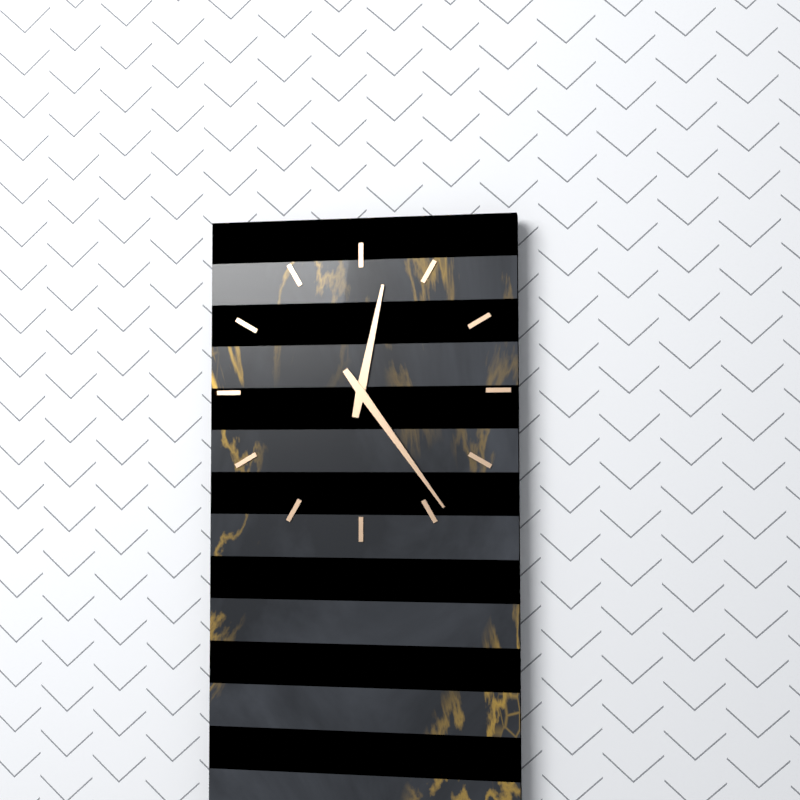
h=12 m=24
